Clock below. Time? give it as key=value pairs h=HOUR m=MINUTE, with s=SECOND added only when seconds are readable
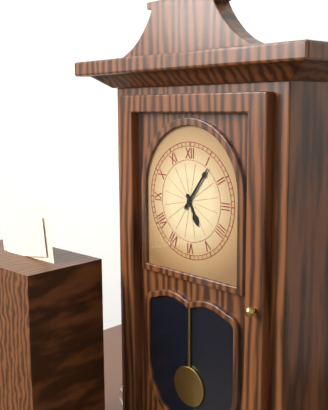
h=5 m=6
